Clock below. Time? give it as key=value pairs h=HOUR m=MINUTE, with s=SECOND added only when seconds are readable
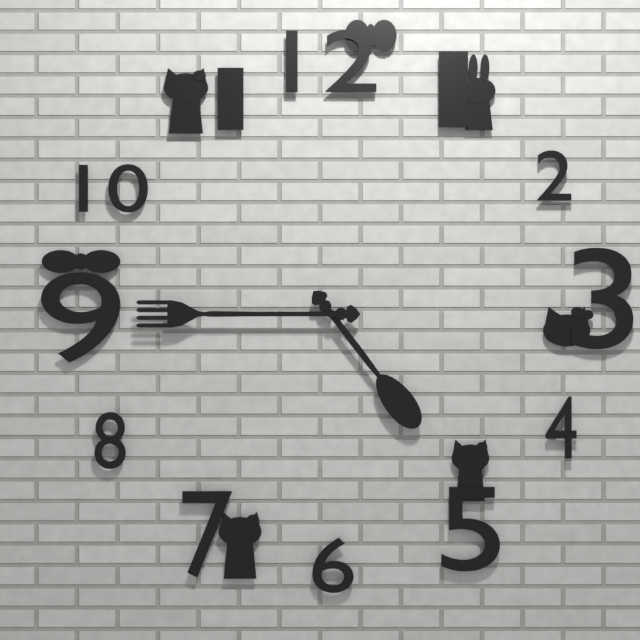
h=4 m=45
